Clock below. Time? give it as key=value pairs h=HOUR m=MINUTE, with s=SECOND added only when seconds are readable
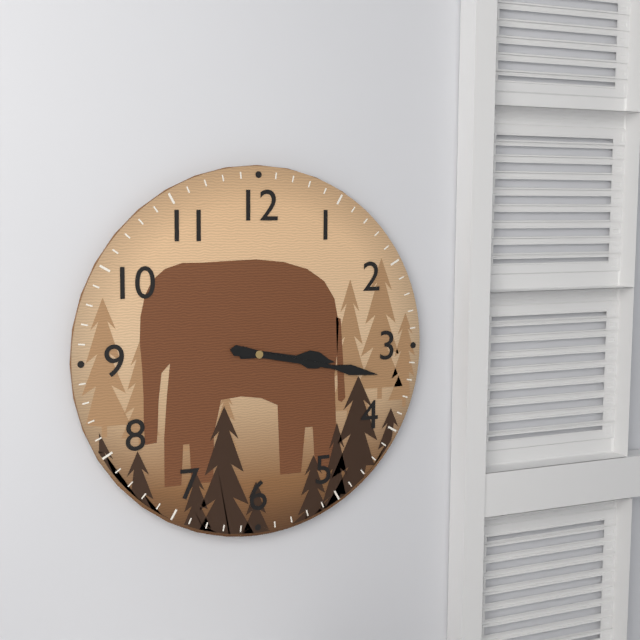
h=3 m=17
